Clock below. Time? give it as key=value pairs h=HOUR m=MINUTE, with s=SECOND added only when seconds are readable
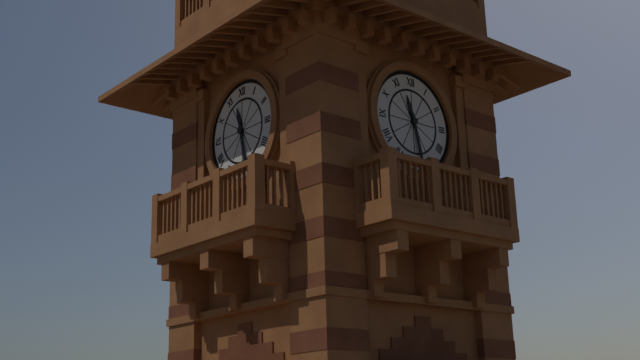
h=11 m=28
